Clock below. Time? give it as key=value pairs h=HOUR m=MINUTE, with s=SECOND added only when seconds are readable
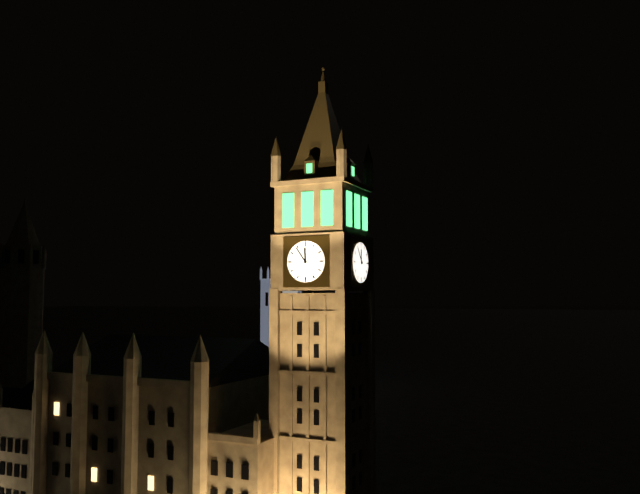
h=11 m=54
